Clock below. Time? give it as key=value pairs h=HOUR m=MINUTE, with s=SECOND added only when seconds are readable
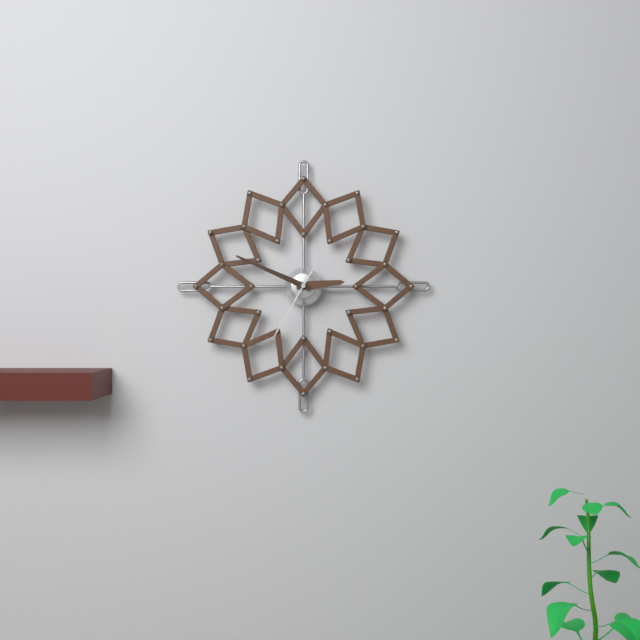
h=2 m=49 s=35
